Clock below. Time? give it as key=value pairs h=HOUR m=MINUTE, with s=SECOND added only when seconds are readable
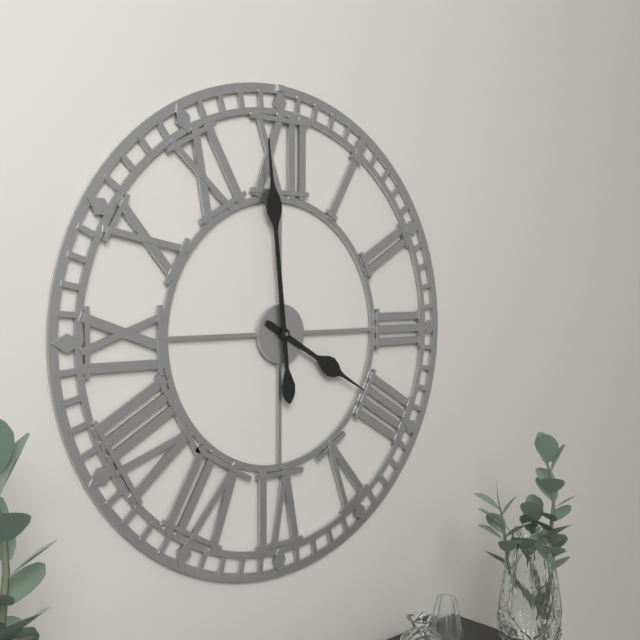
h=3 m=59
